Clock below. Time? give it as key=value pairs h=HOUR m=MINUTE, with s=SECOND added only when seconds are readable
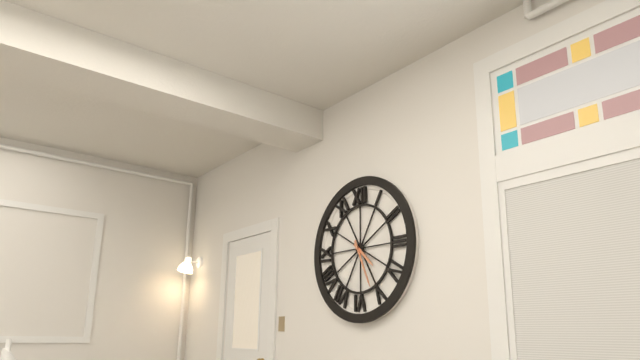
h=4 m=26
